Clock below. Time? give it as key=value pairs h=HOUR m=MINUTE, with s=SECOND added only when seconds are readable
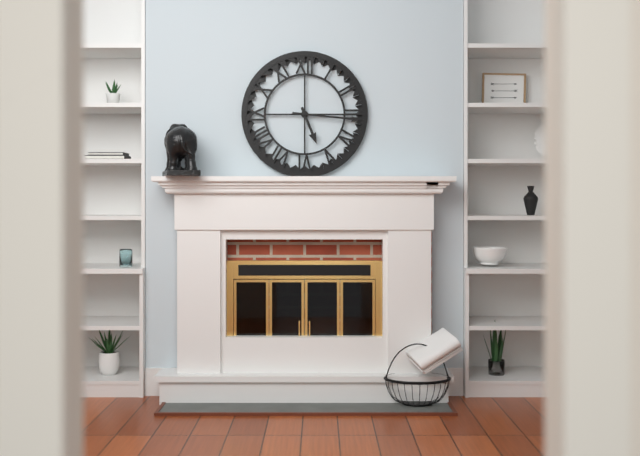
h=5 m=16
